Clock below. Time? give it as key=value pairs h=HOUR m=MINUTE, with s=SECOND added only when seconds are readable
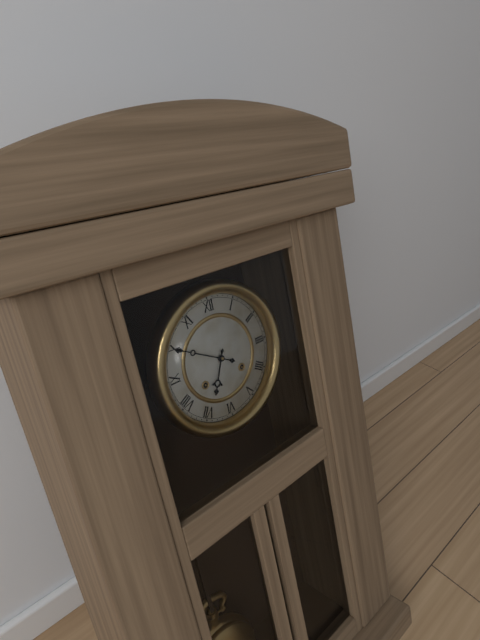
h=6 m=50
